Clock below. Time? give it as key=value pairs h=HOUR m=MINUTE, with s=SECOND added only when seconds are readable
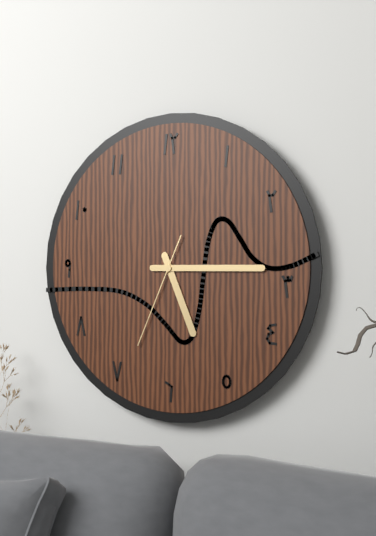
h=5 m=15 s=34
